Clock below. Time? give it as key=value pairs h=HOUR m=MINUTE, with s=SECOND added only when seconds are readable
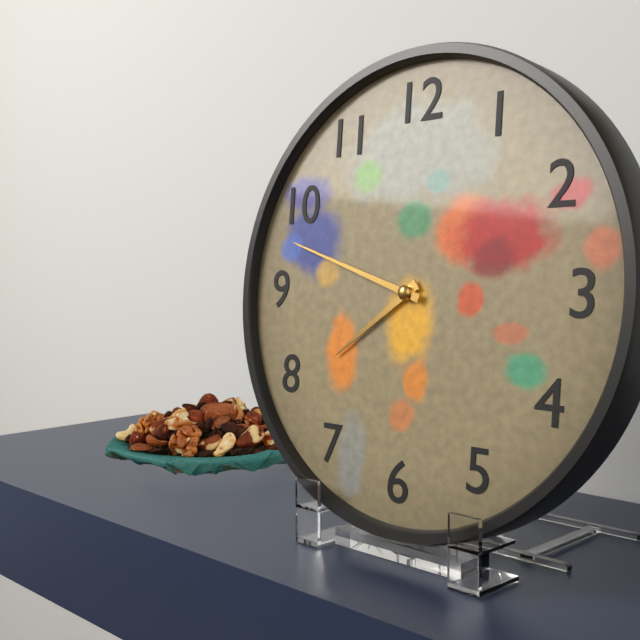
h=7 m=48
